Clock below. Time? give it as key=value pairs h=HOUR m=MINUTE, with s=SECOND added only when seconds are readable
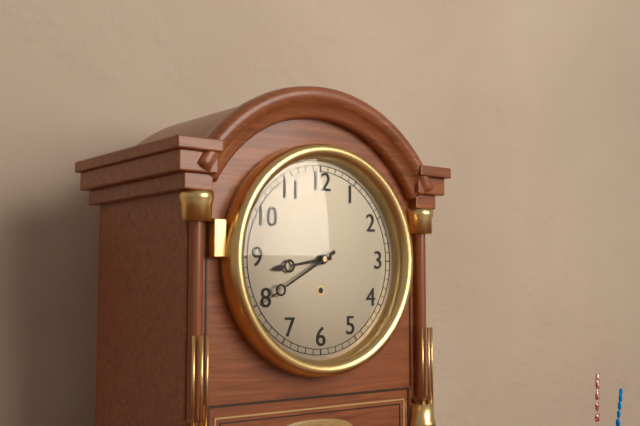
h=8 m=40
